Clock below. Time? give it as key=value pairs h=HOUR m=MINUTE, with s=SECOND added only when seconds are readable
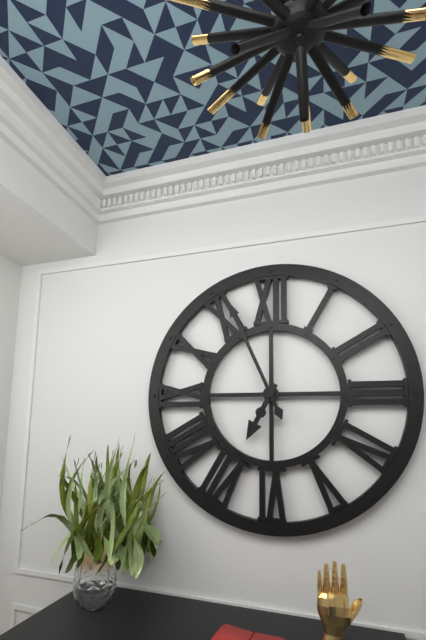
h=6 m=56
